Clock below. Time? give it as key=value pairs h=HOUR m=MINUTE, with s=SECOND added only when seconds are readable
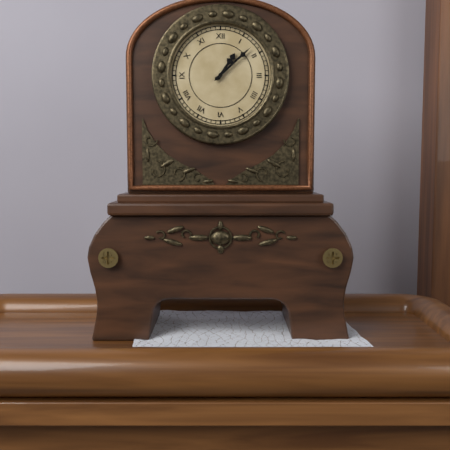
h=1 m=8
